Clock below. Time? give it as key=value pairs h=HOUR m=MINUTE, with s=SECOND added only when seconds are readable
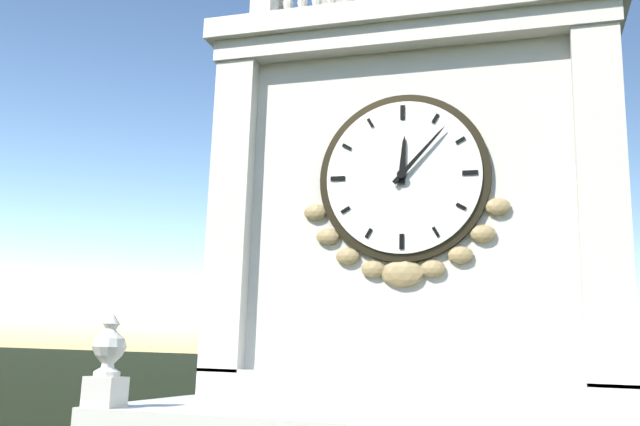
h=12 m=7
